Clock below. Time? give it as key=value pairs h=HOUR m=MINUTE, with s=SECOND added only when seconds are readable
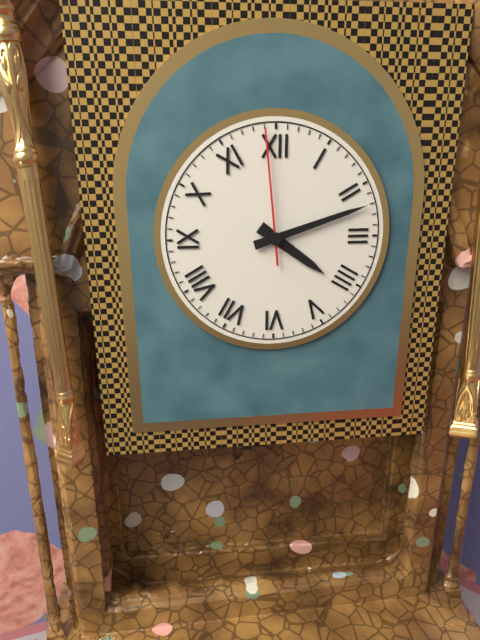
h=4 m=12 s=59
